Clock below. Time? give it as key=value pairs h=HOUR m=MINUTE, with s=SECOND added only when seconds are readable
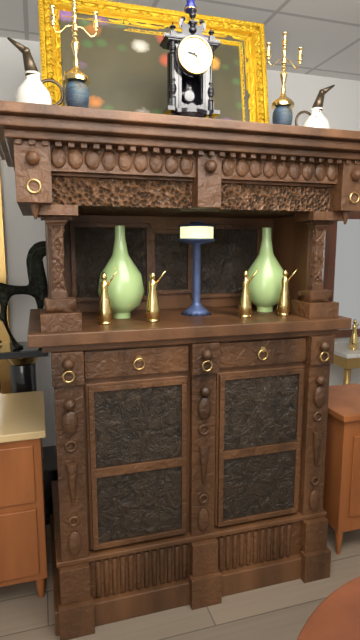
h=9 m=26
